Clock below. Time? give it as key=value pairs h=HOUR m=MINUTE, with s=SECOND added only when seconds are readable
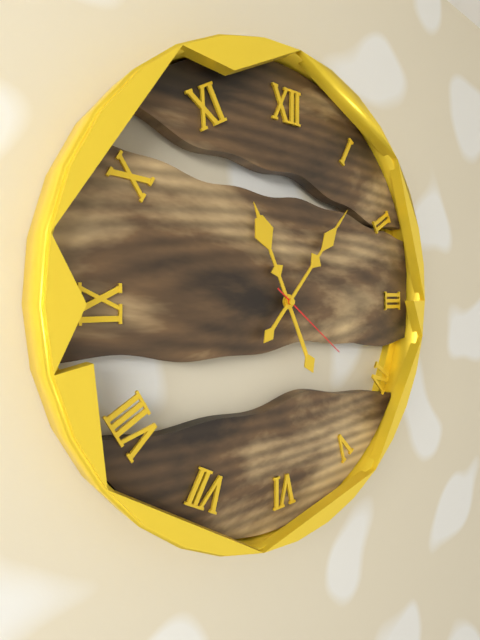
h=11 m=7 s=21
